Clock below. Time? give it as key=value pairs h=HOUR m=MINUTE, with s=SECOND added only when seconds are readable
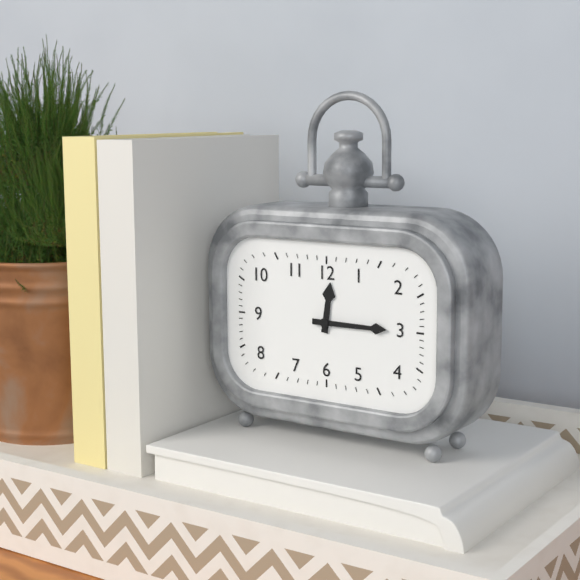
h=12 m=15
